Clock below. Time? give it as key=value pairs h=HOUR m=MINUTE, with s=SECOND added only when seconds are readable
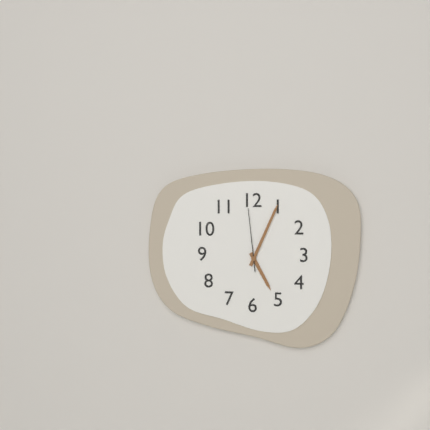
h=5 m=4 s=59
